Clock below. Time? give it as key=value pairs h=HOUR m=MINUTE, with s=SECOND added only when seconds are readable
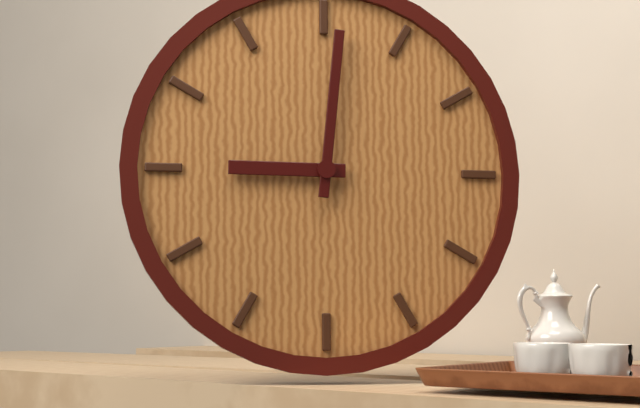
h=9 m=1
